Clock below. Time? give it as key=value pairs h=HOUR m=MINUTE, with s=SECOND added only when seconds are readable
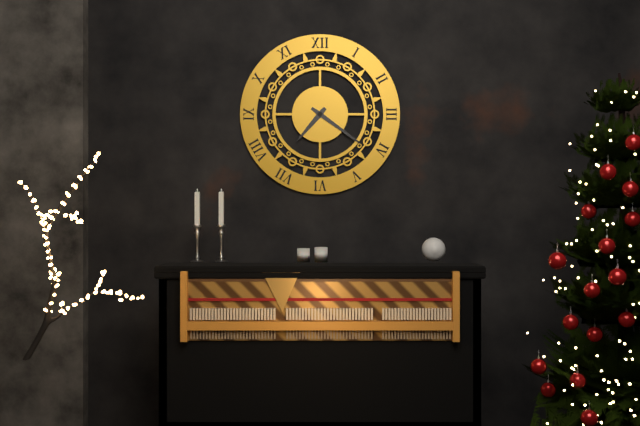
h=7 m=21
